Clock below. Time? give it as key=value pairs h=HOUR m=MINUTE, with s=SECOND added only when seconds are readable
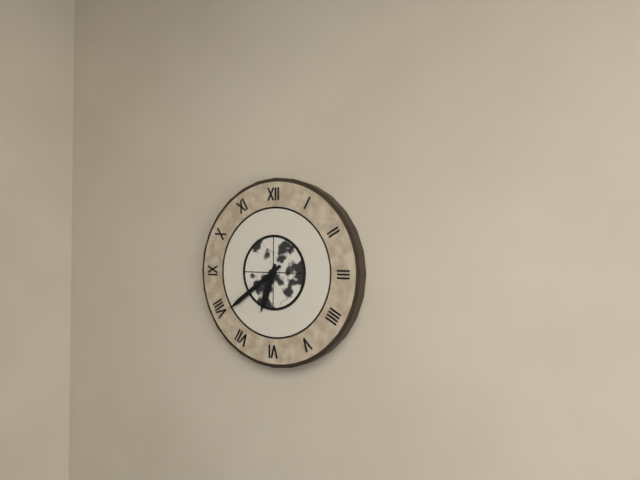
h=6 m=39
